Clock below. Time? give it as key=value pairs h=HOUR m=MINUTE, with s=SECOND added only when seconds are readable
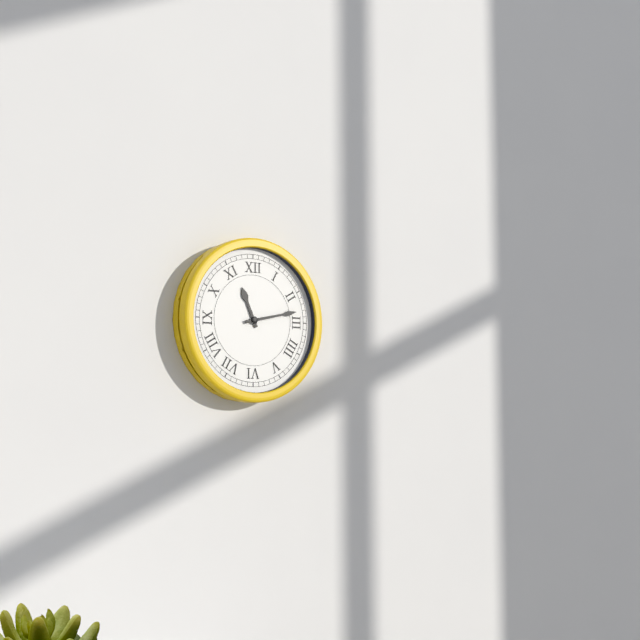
h=11 m=13
